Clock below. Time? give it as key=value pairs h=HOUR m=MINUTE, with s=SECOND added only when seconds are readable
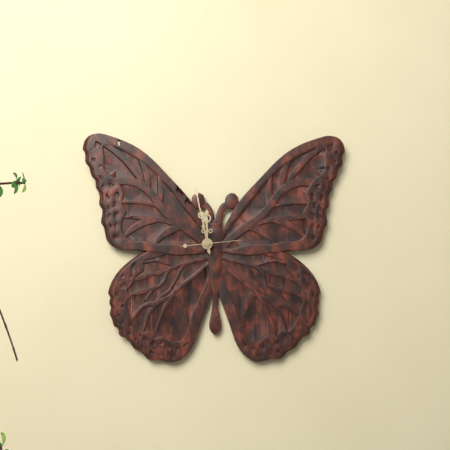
h=11 m=58
